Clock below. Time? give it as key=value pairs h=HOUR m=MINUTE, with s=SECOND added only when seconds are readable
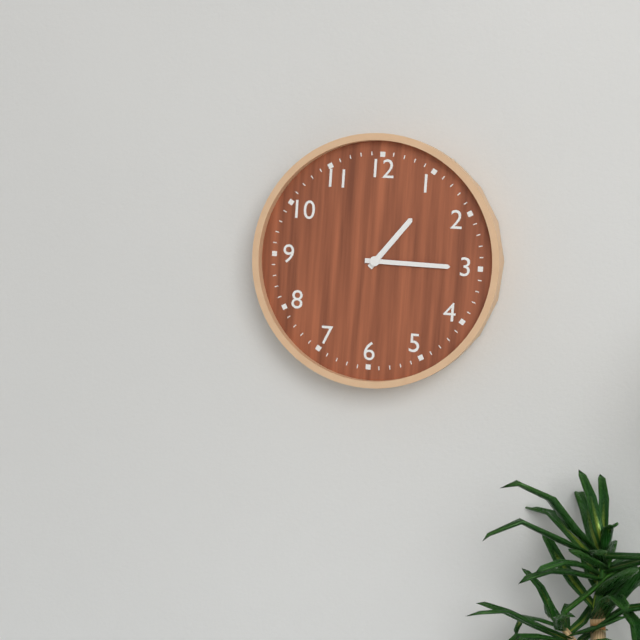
h=1 m=15
